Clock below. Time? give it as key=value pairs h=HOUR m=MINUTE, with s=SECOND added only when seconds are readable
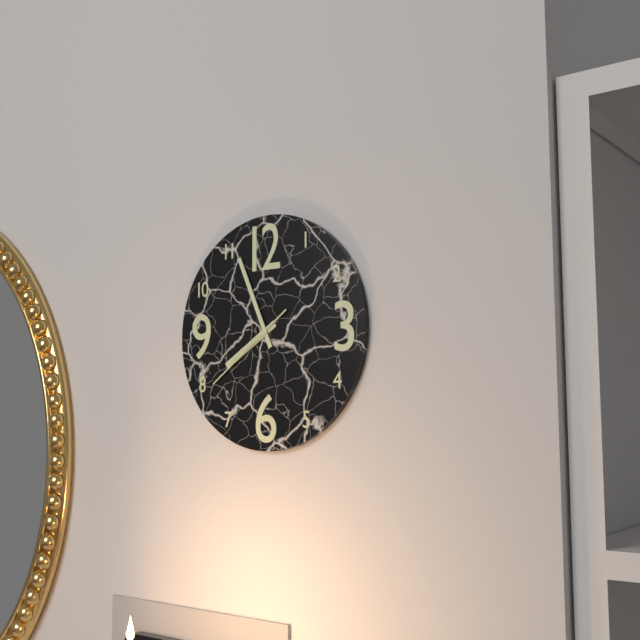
h=7 m=56 s=39
